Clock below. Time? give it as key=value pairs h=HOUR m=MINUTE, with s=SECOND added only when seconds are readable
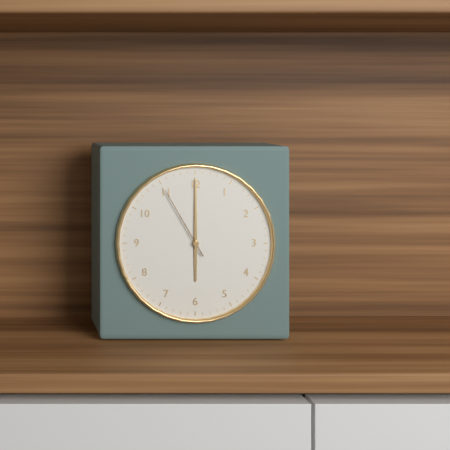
h=6 m=0 s=55
